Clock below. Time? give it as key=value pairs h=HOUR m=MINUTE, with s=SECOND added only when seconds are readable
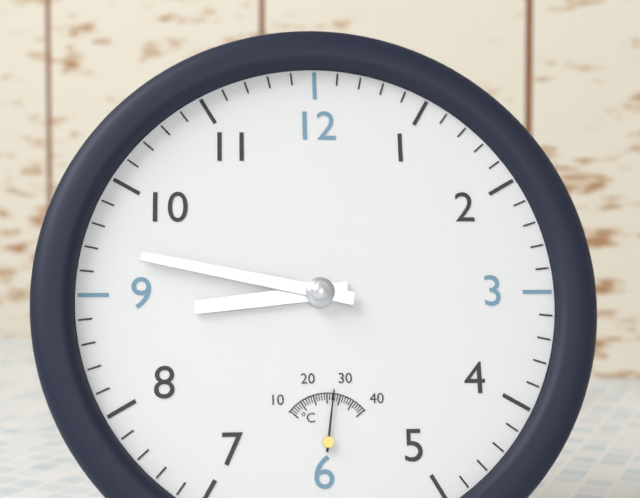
h=8 m=47
